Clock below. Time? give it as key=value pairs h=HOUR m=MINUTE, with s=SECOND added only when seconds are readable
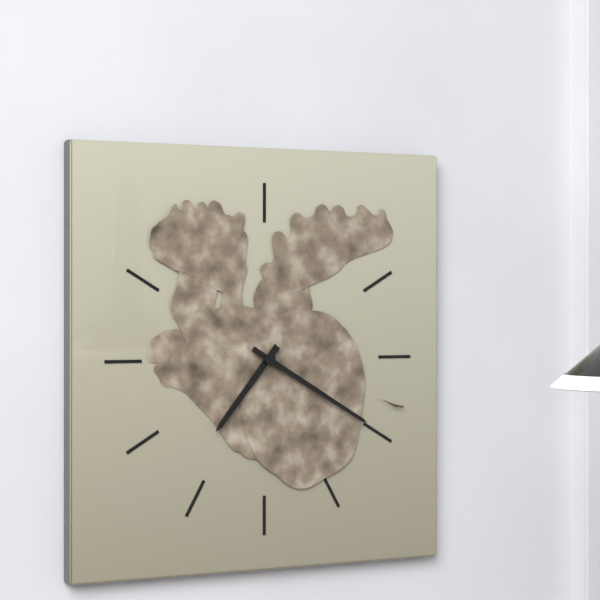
h=7 m=20
